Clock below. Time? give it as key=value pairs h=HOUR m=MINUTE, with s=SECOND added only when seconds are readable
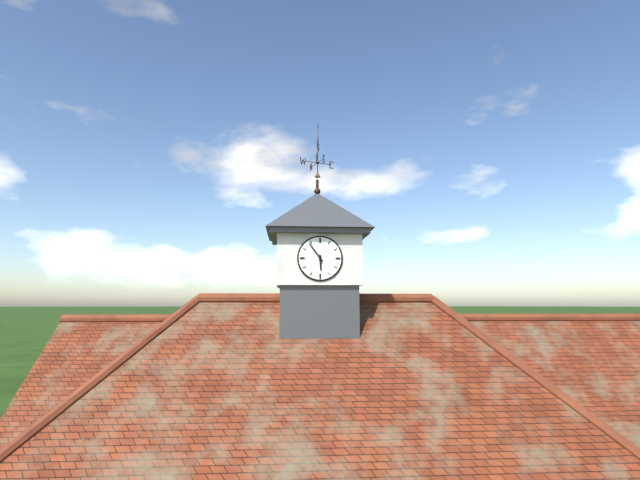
h=5 m=54
